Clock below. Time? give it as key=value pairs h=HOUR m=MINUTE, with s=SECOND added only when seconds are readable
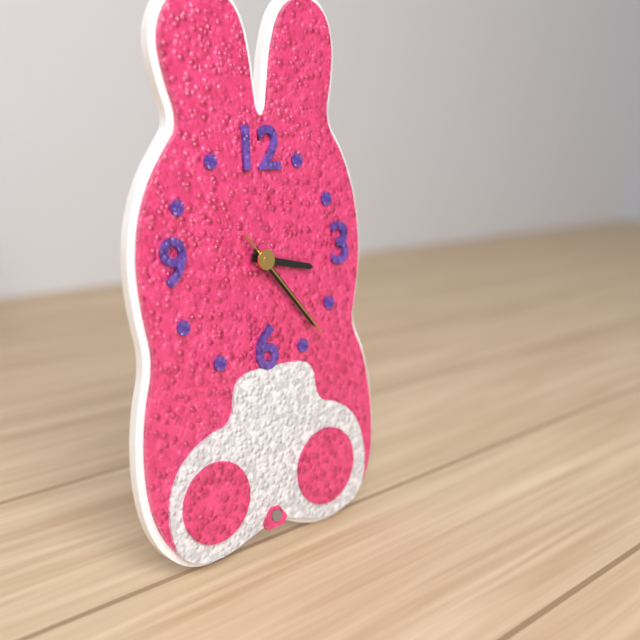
h=3 m=23 s=23
